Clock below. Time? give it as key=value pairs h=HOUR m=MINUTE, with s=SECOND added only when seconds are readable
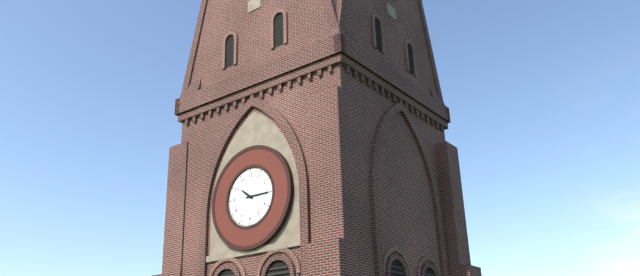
h=10 m=15
